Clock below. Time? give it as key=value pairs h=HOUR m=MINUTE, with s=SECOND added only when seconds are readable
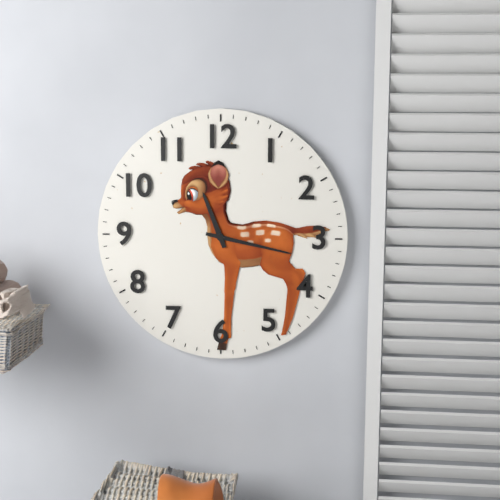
h=11 m=17
